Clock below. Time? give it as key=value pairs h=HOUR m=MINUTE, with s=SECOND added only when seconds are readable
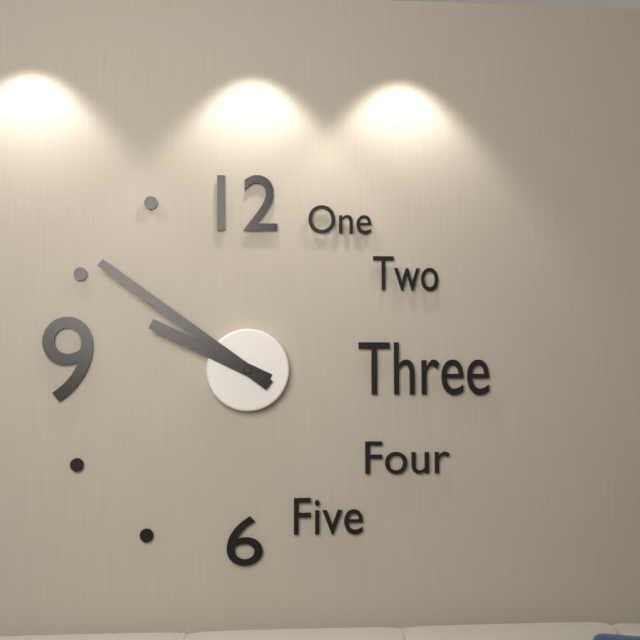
h=9 m=51
